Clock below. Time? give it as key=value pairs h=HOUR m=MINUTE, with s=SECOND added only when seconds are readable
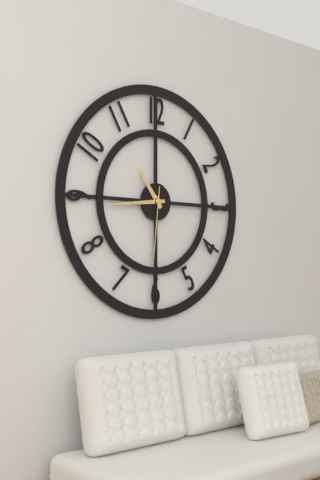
h=10 m=44 s=31
